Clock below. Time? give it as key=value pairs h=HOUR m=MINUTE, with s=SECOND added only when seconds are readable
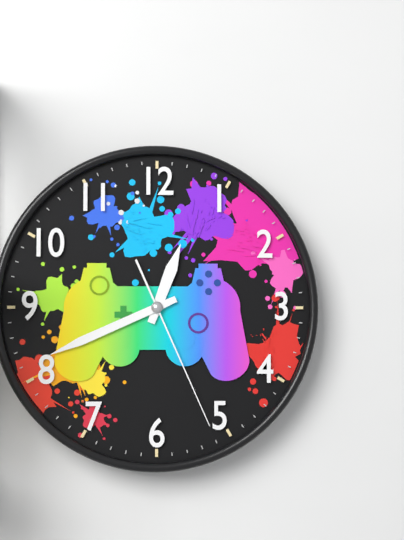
h=12 m=41 s=26
